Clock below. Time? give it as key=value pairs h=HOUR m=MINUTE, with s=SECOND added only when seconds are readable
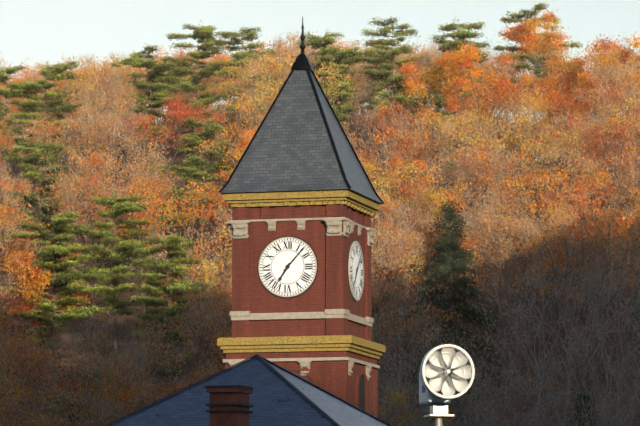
h=7 m=7
